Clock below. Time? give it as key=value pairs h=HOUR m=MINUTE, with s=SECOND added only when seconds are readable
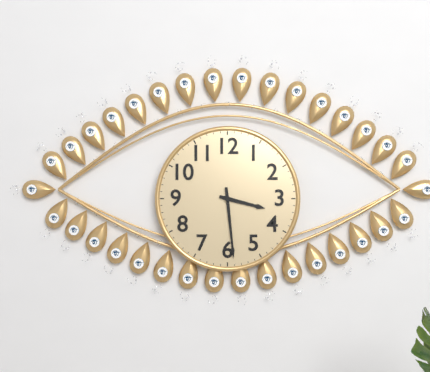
h=3 m=29
